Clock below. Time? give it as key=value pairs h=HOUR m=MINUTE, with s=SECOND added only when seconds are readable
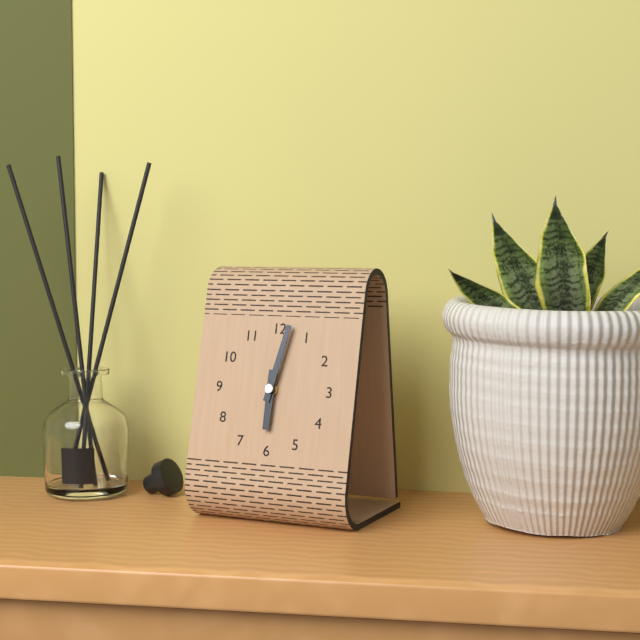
h=6 m=2
